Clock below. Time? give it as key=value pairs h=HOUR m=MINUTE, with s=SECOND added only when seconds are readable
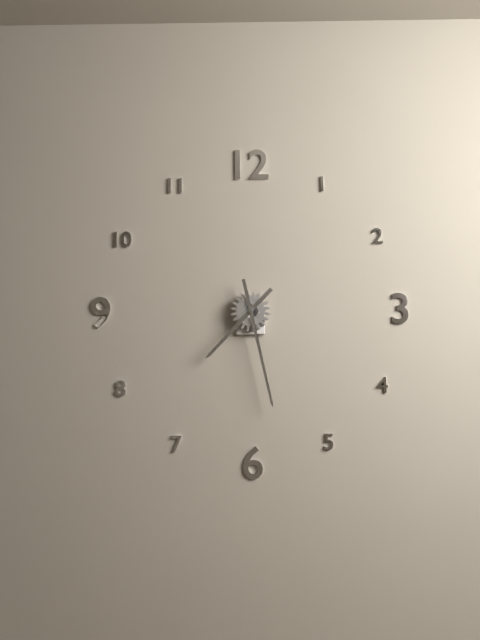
h=7 m=28
